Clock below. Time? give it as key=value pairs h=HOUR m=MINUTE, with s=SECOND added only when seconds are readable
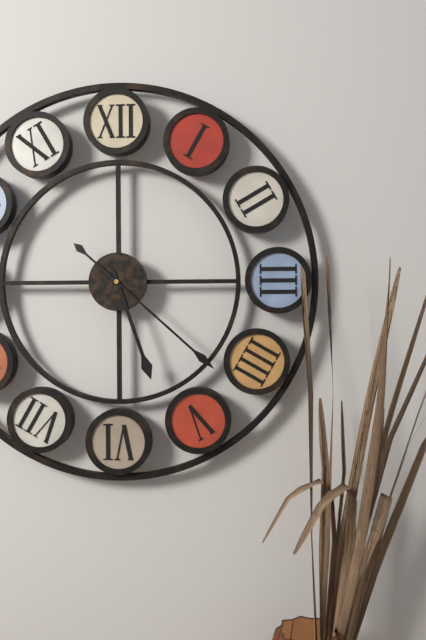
h=5 m=22
